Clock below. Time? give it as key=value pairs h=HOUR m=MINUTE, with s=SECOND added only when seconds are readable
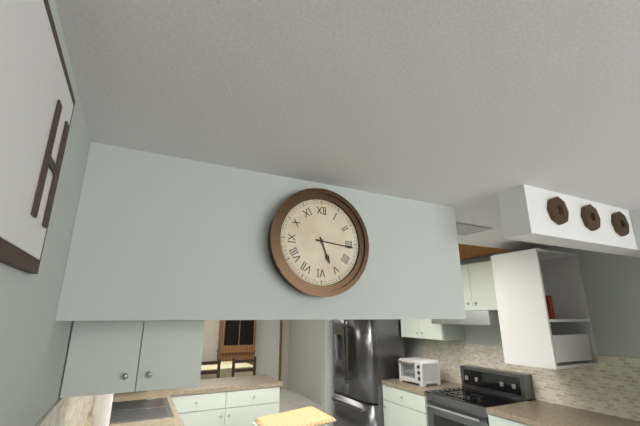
h=5 m=16
